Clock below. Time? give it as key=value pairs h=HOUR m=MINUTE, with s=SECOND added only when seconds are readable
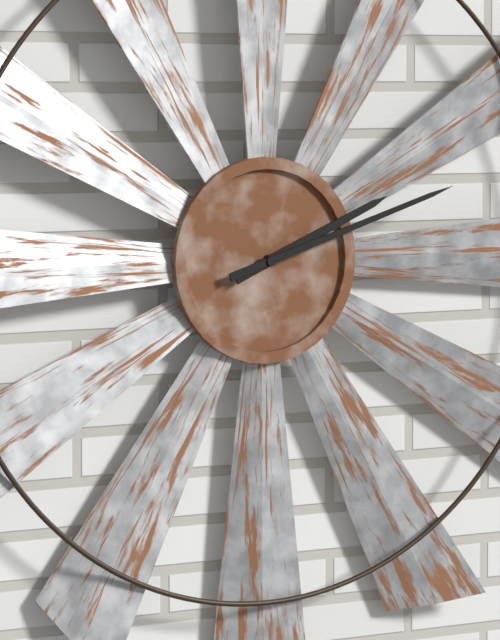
h=2 m=12
